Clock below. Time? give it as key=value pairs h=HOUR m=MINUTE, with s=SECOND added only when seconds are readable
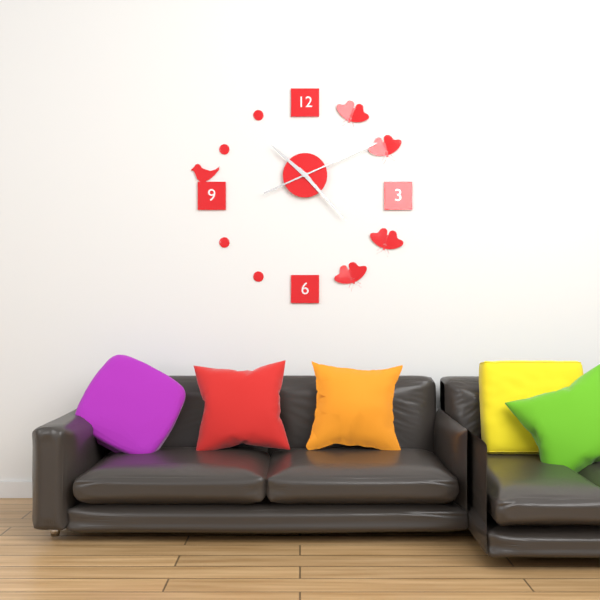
h=10 m=23 s=11
